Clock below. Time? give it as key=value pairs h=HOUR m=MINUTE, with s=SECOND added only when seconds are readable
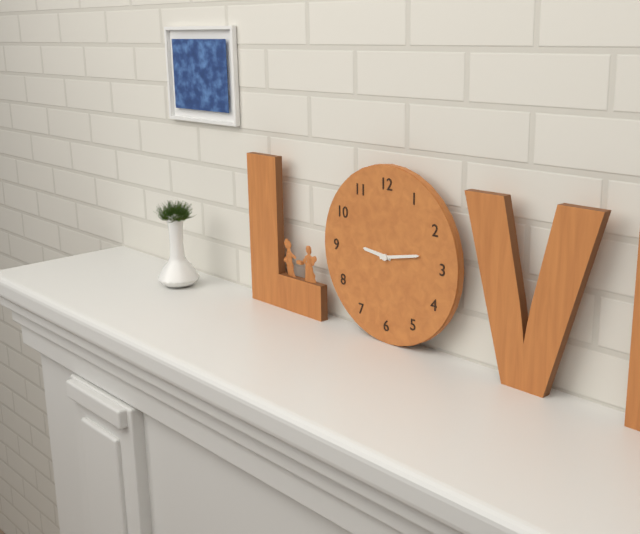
h=9 m=13
